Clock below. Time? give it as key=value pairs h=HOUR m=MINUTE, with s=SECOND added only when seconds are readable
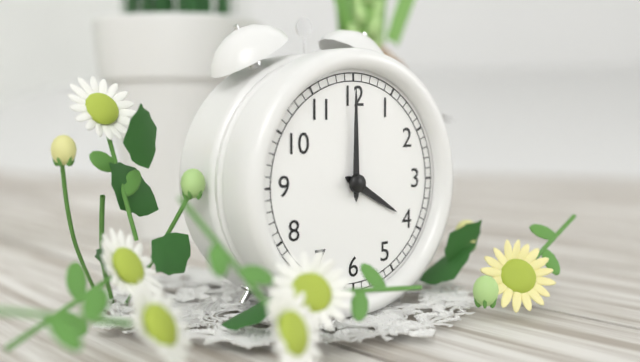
h=4 m=0
